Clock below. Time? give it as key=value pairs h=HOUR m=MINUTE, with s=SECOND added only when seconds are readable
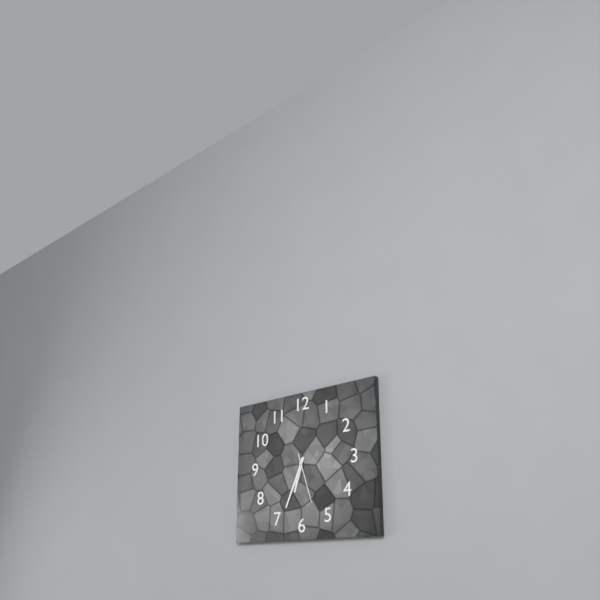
h=6 m=34 s=27
